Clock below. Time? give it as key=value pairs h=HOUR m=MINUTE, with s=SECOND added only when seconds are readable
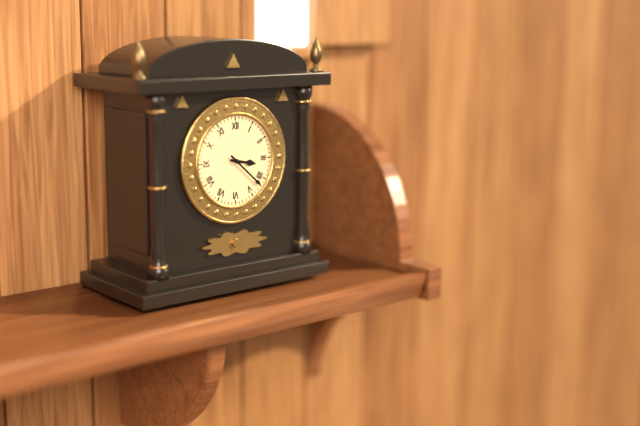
h=3 m=22
